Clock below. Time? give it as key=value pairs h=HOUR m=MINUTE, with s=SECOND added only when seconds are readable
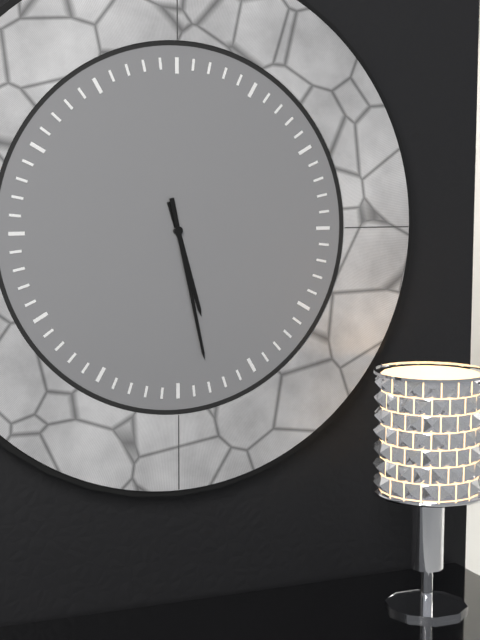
h=5 m=28
